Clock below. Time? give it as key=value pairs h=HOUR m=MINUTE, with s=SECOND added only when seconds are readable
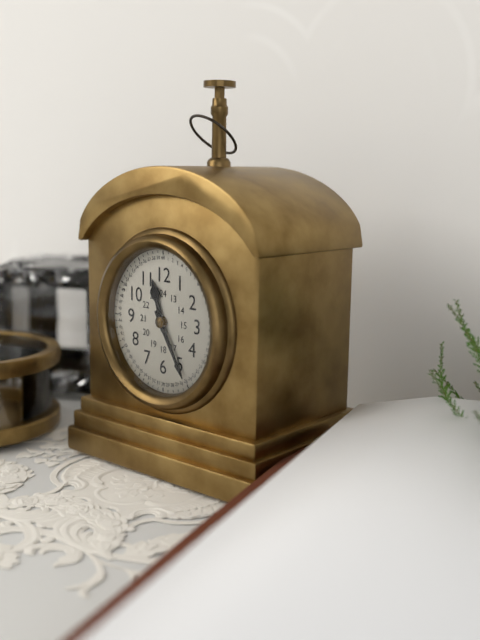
h=11 m=25
